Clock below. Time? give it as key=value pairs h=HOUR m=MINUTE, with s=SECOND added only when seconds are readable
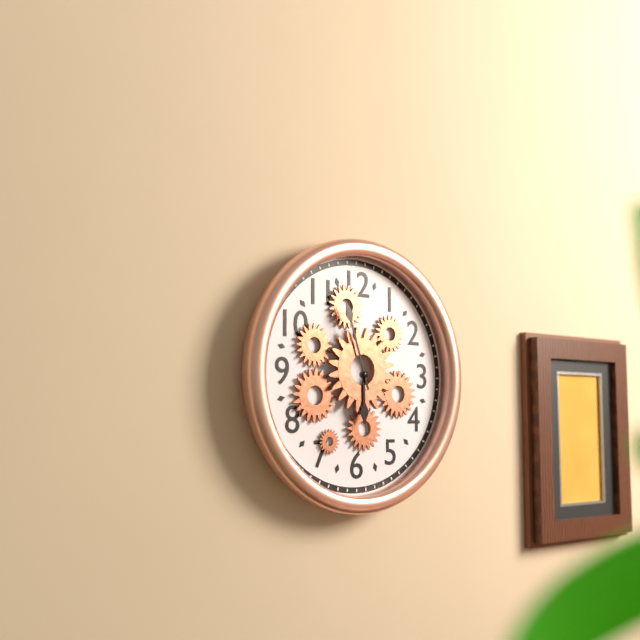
h=5 m=57
